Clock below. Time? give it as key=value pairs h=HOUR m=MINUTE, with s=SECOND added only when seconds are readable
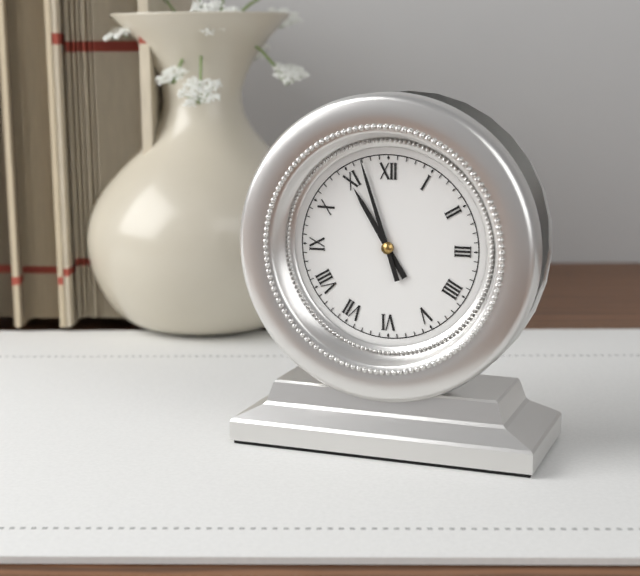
h=10 m=57
